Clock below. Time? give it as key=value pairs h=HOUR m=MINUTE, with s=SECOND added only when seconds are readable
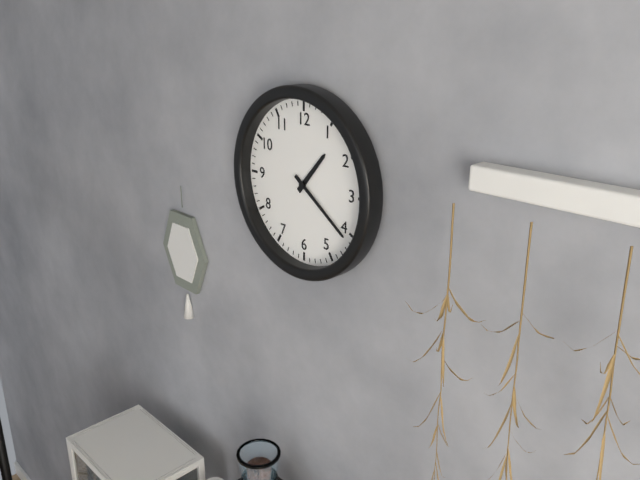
h=1 m=21
